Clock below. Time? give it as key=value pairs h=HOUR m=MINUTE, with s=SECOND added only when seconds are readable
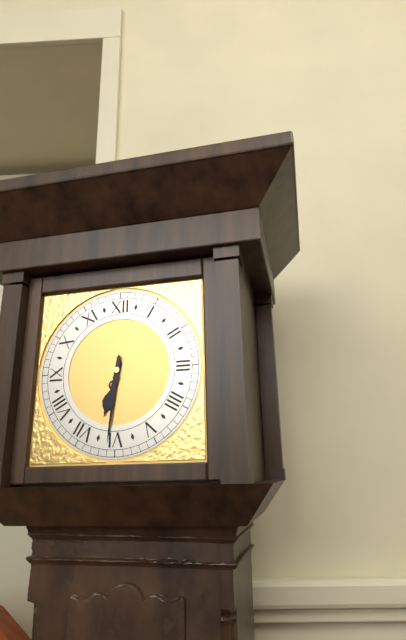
h=6 m=31
